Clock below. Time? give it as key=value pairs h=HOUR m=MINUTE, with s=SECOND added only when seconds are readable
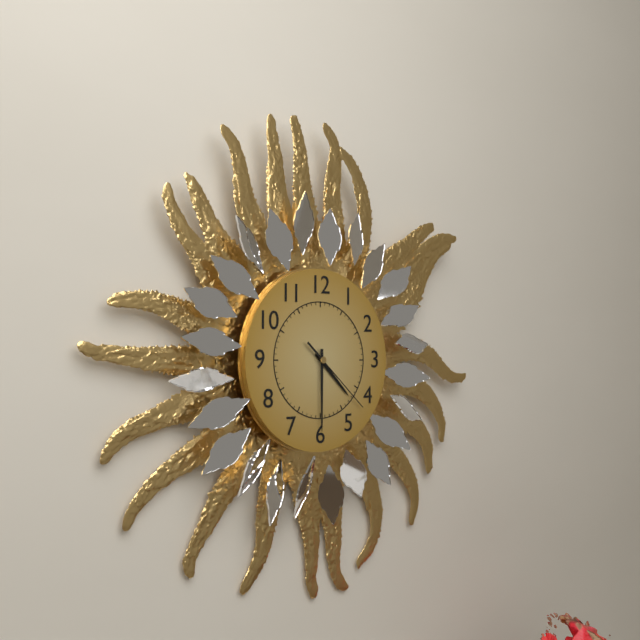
h=4 m=30 s=22
